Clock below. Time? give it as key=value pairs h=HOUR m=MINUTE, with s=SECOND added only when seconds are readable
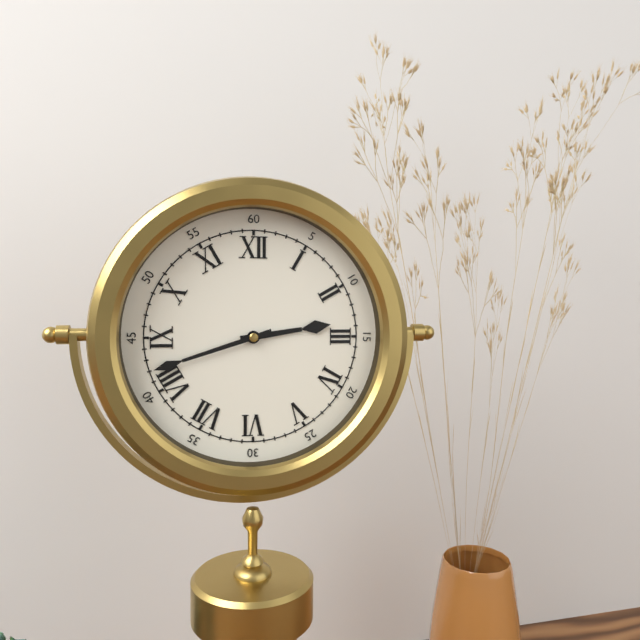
h=2 m=42
